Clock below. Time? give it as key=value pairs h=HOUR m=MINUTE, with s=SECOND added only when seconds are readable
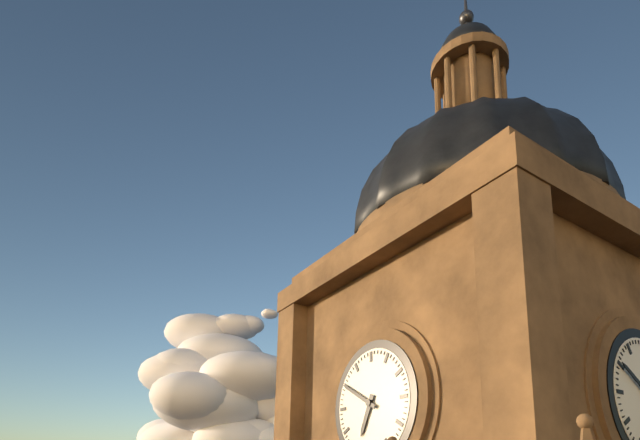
h=6 m=50
